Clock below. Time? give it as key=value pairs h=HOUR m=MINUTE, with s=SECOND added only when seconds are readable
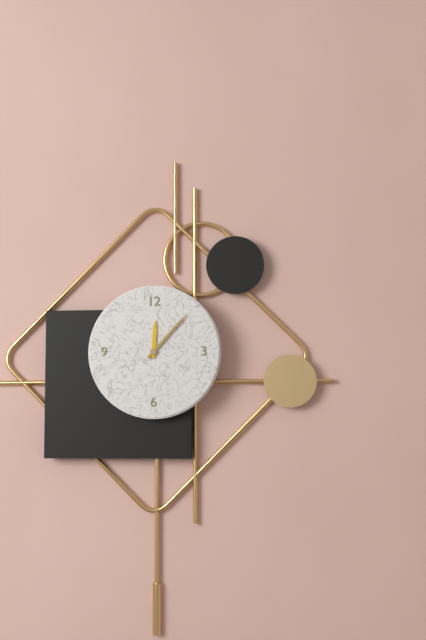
h=12 m=7
